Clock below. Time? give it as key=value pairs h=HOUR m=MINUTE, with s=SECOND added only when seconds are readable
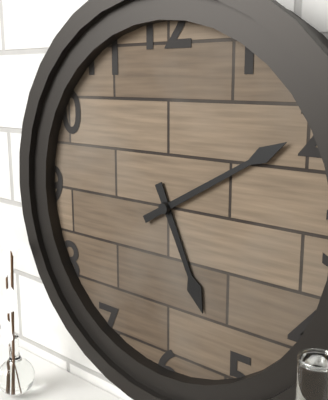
h=5 m=10
